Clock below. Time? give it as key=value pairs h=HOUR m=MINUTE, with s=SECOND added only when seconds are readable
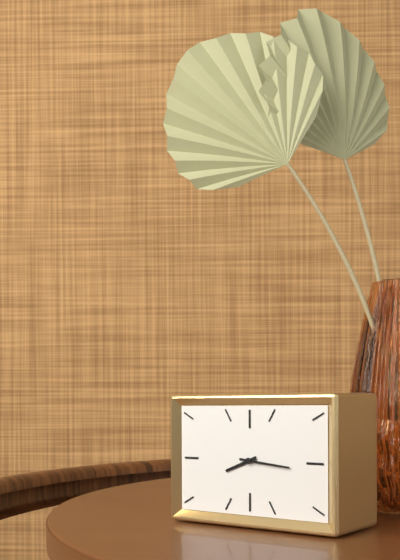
h=8 m=16
